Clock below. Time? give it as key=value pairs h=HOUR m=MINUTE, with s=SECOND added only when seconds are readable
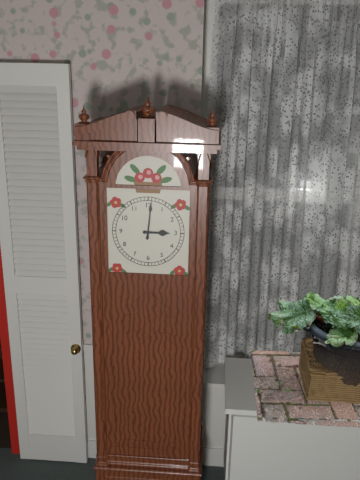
h=3 m=1
